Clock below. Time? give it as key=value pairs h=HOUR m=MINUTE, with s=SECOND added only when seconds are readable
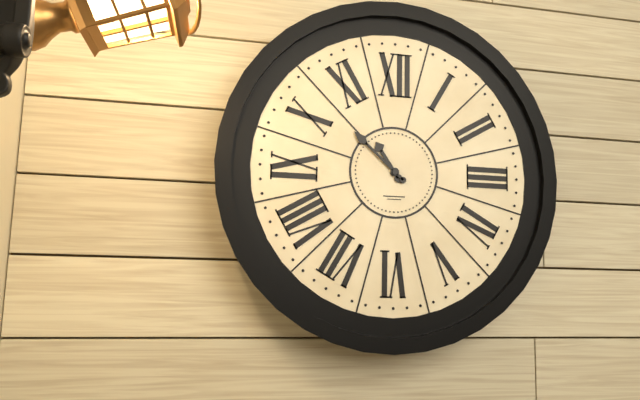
h=10 m=52
